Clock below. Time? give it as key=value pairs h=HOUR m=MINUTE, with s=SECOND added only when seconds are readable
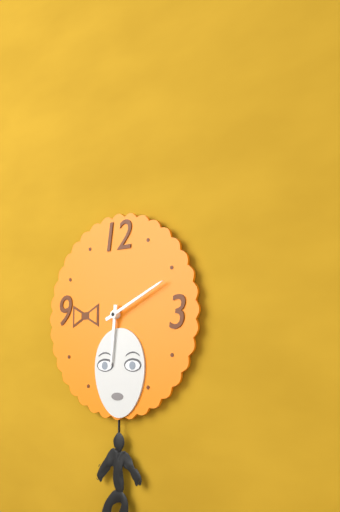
h=6 m=11
